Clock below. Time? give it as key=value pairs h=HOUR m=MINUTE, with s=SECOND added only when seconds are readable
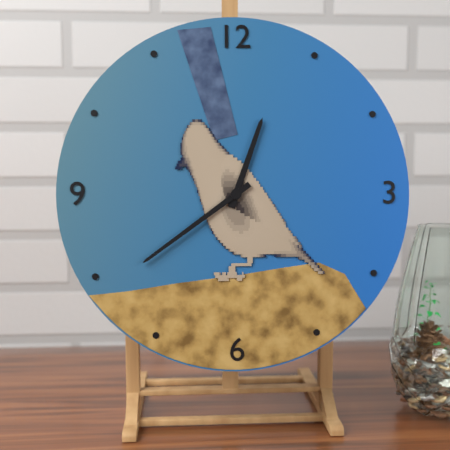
h=12 m=39
